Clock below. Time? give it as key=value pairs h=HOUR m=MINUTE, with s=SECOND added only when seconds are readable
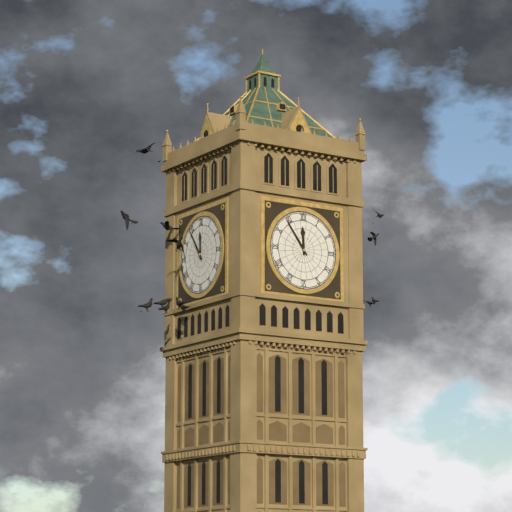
h=11 m=54
